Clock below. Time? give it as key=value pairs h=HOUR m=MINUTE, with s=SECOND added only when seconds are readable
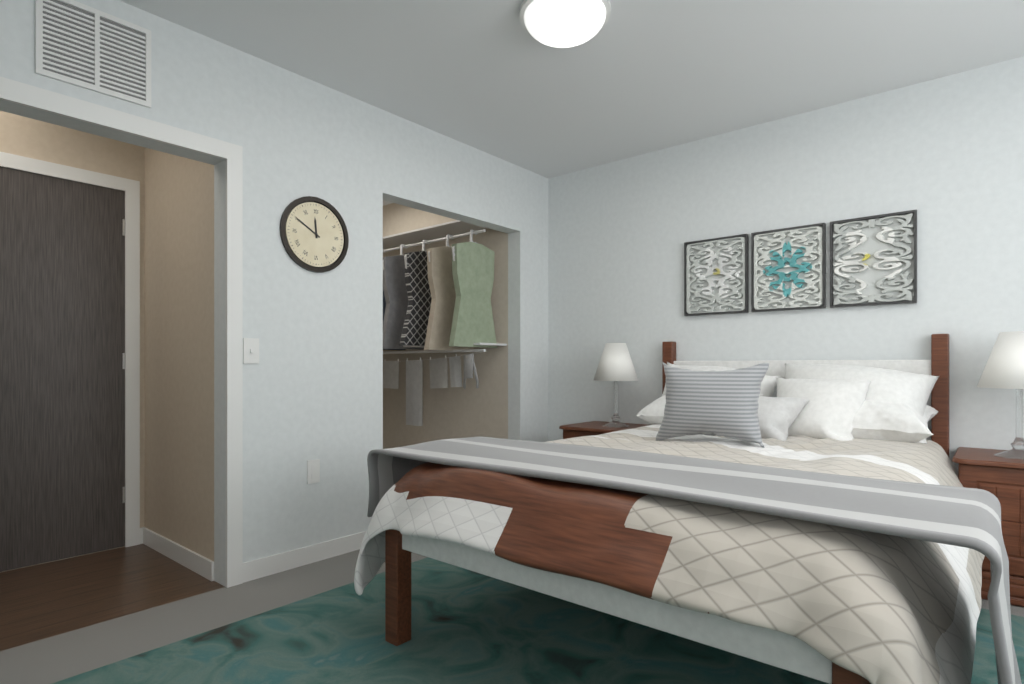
h=11 m=50
